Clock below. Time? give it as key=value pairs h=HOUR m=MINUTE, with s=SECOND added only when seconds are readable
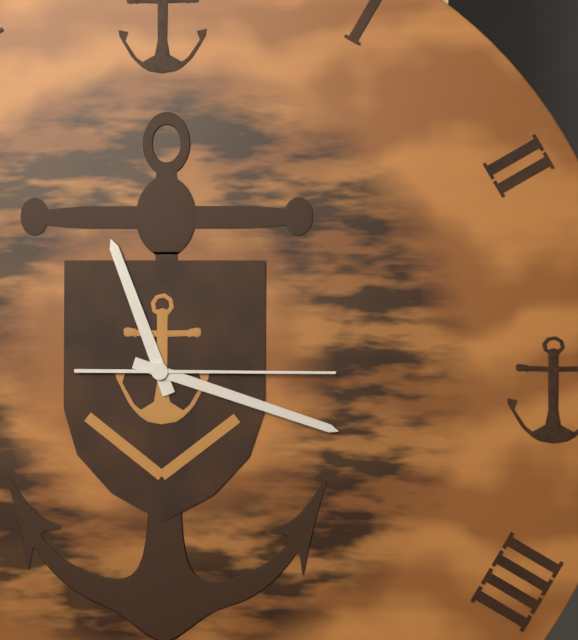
h=11 m=18 s=15
